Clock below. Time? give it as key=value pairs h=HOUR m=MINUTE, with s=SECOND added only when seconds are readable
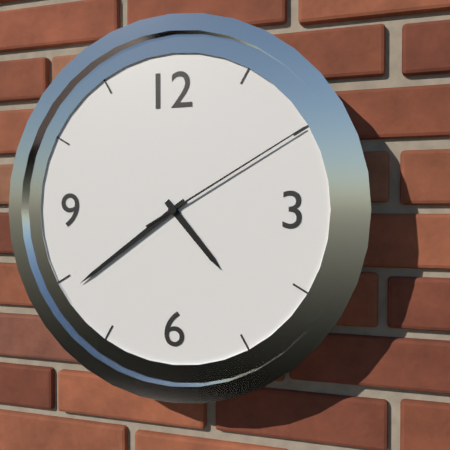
h=4 m=39 s=10
